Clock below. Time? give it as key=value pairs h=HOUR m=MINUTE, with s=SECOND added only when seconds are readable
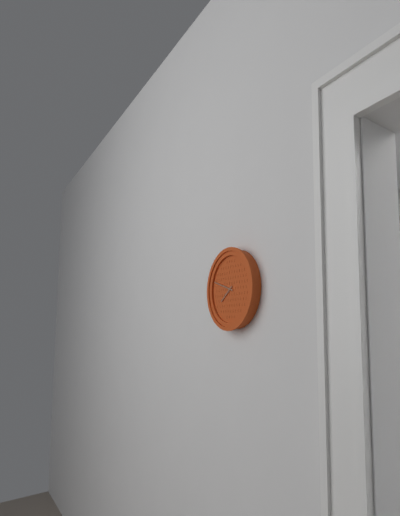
h=7 m=48
